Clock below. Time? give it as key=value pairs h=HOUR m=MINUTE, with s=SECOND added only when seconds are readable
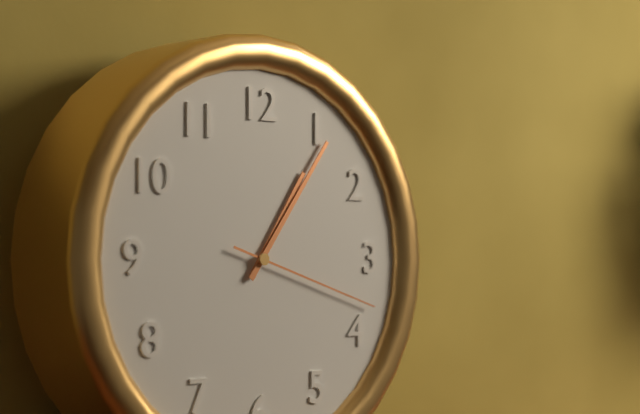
h=1 m=6 s=18
